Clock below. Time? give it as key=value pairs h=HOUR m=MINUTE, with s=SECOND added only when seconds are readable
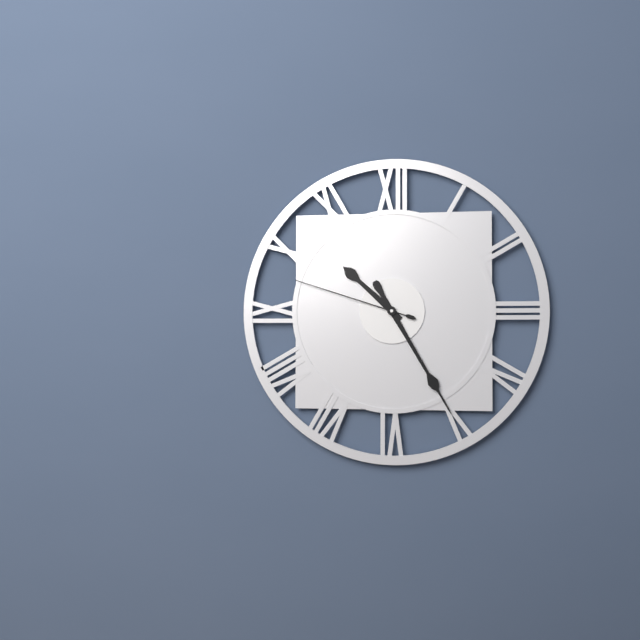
h=10 m=25 s=48
